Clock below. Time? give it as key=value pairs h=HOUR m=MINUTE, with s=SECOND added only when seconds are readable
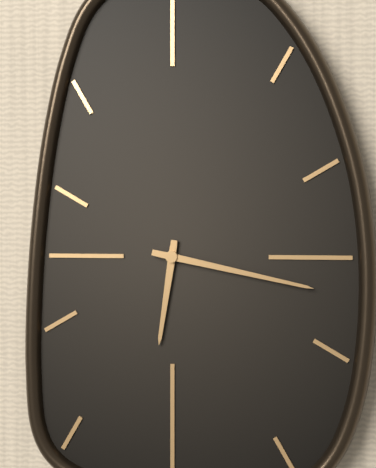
h=6 m=17
